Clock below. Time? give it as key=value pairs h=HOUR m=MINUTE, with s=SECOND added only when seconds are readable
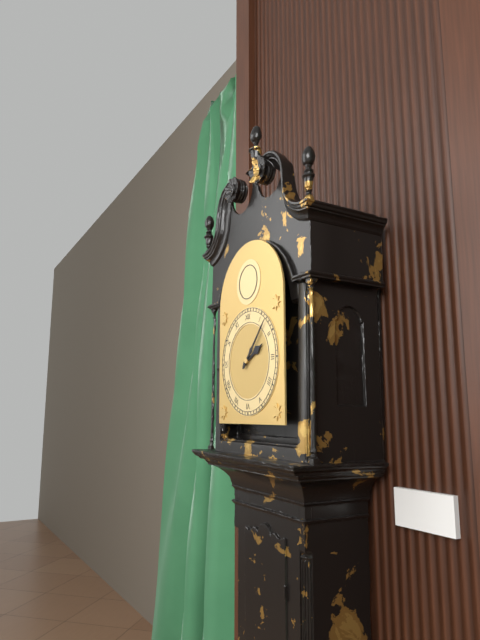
h=2 m=7
